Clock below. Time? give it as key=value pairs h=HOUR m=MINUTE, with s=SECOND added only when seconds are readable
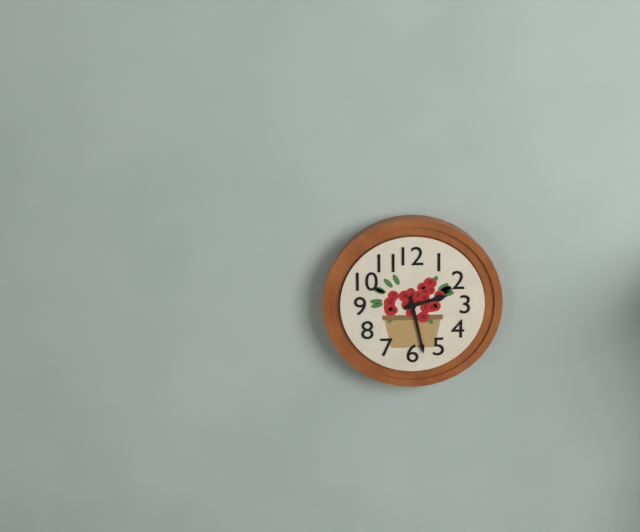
h=2 m=28
